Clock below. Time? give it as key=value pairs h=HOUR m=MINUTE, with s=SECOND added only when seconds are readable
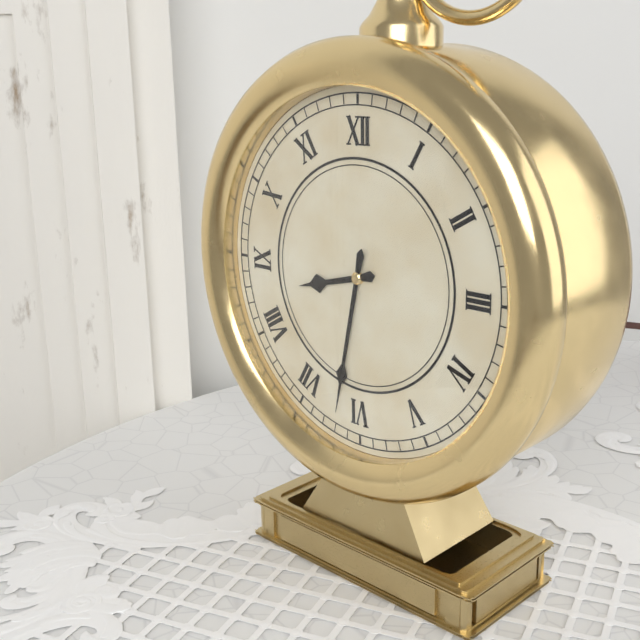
h=8 m=32
